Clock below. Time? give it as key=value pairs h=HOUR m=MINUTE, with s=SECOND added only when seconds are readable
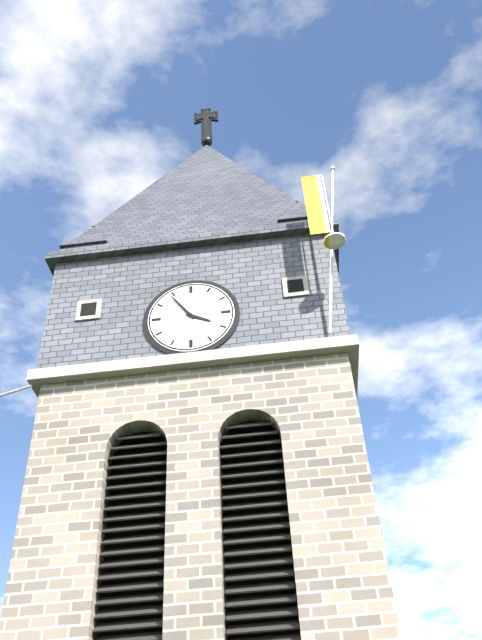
h=3 m=54
